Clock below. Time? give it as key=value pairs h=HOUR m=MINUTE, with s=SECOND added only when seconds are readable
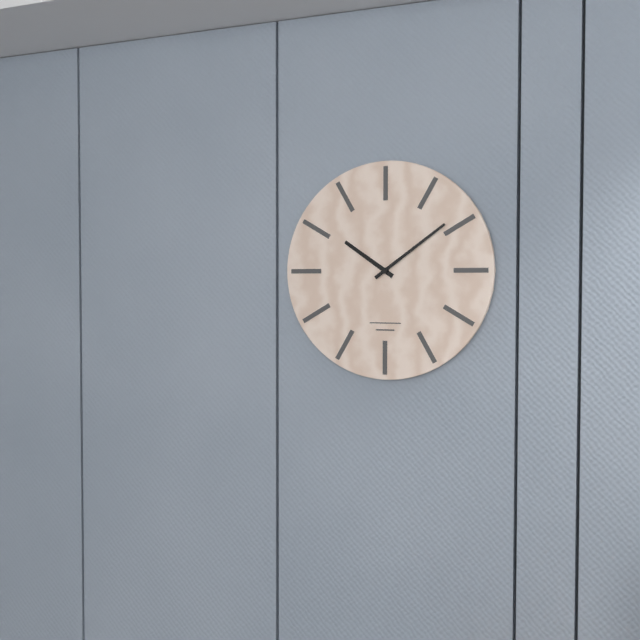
h=10 m=9
